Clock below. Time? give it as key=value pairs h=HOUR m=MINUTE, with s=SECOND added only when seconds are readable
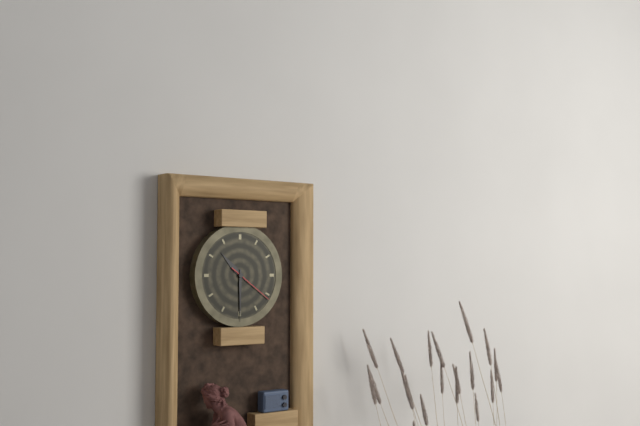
h=10 m=30
